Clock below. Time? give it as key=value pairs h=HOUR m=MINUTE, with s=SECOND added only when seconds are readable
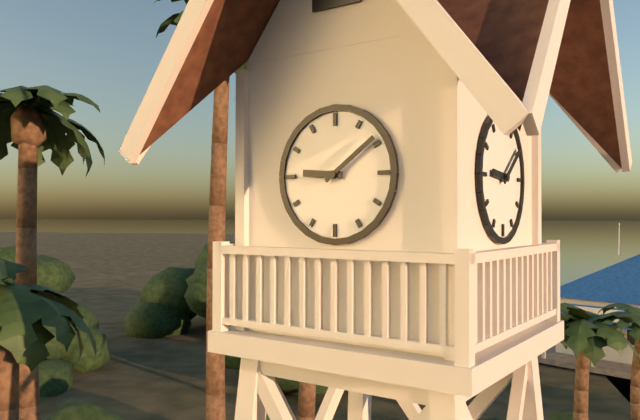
h=9 m=9
